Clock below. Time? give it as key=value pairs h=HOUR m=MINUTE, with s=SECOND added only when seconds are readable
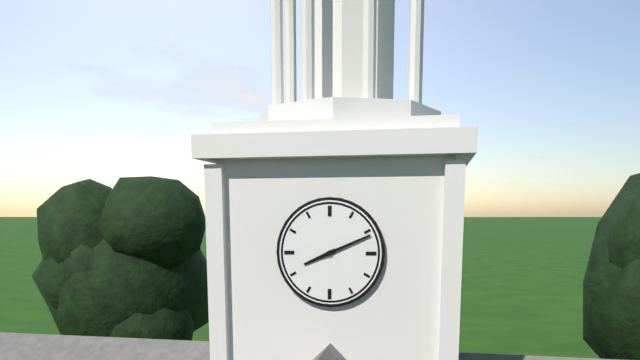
h=8 m=11
